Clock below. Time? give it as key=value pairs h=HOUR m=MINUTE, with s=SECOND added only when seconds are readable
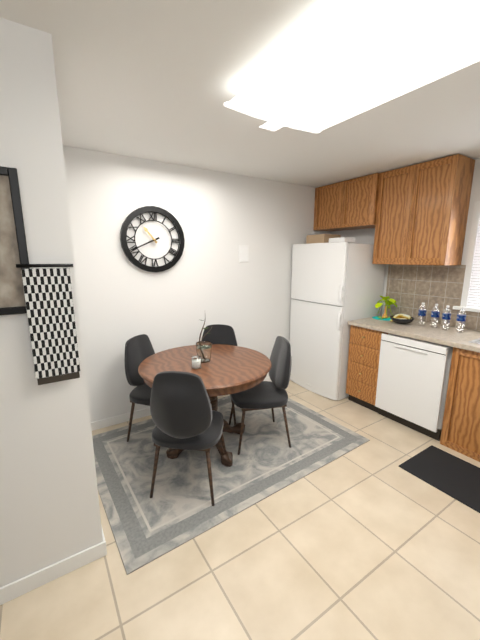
h=10 m=41
